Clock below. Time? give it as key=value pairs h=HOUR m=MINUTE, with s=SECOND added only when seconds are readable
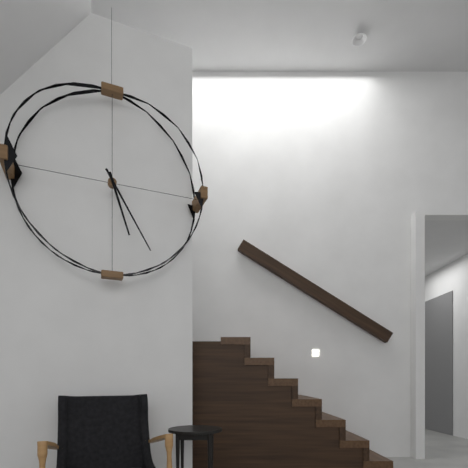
h=5 m=25
